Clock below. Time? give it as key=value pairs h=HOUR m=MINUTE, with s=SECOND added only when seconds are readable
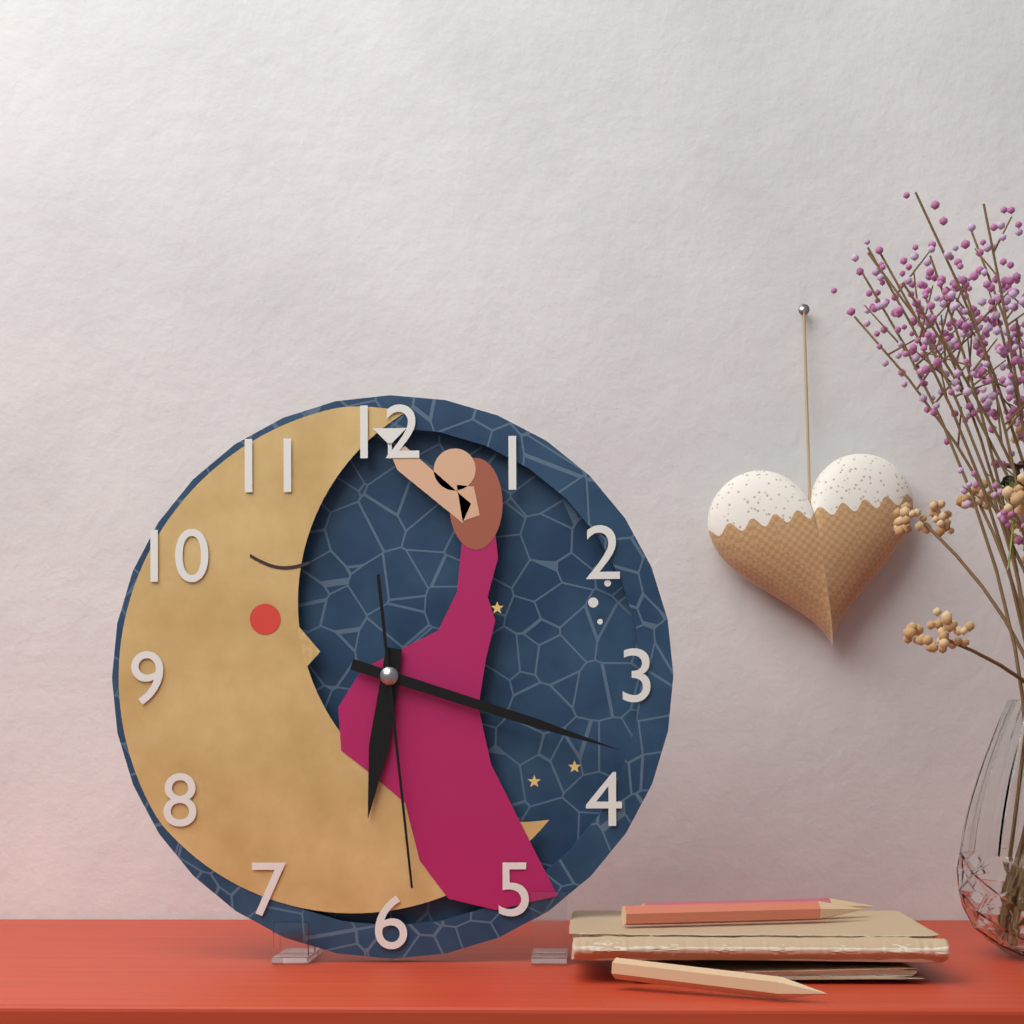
h=6 m=18 s=29
